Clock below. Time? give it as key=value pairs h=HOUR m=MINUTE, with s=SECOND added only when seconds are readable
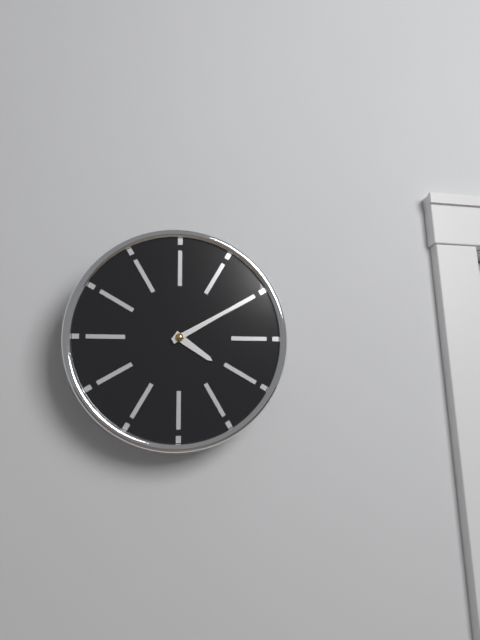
h=4 m=10
